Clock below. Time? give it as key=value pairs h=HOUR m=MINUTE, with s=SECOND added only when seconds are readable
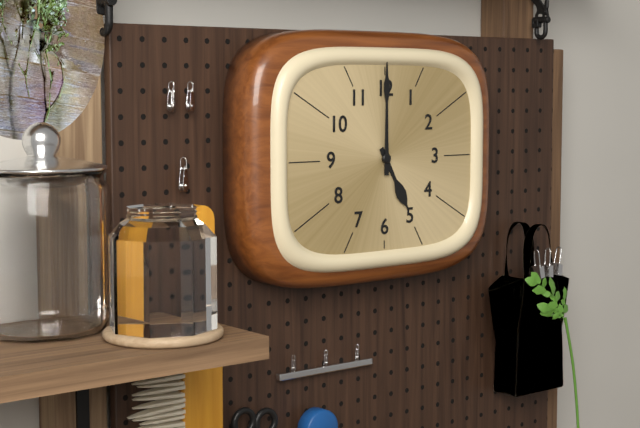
h=5 m=0
